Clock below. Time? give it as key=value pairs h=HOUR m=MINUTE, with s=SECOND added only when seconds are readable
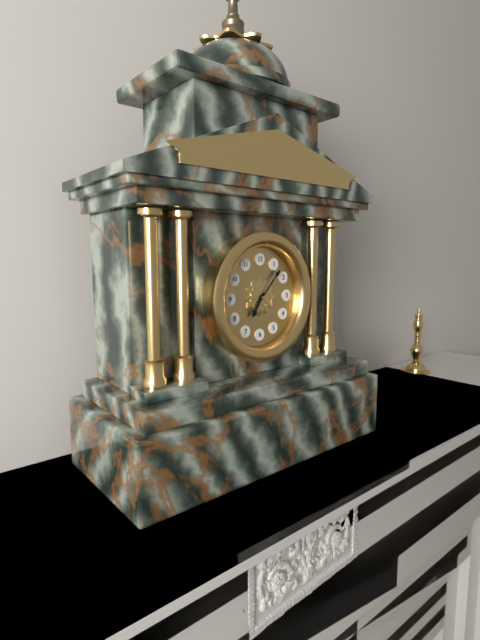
h=7 m=7
